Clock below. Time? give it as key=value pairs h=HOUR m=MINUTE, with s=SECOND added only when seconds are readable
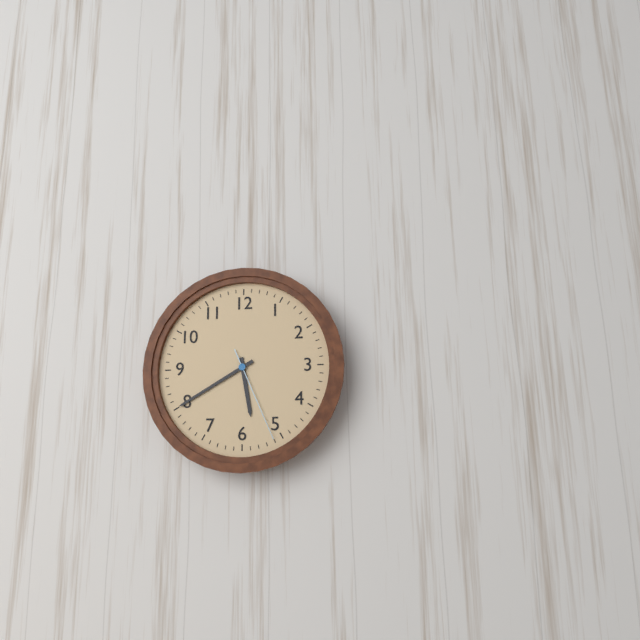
h=5 m=40 s=26
